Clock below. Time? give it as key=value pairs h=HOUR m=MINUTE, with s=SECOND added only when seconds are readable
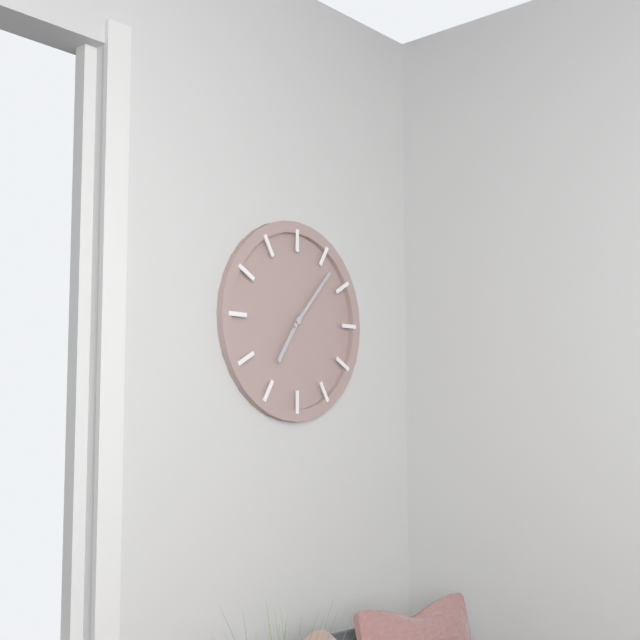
h=7 m=7
